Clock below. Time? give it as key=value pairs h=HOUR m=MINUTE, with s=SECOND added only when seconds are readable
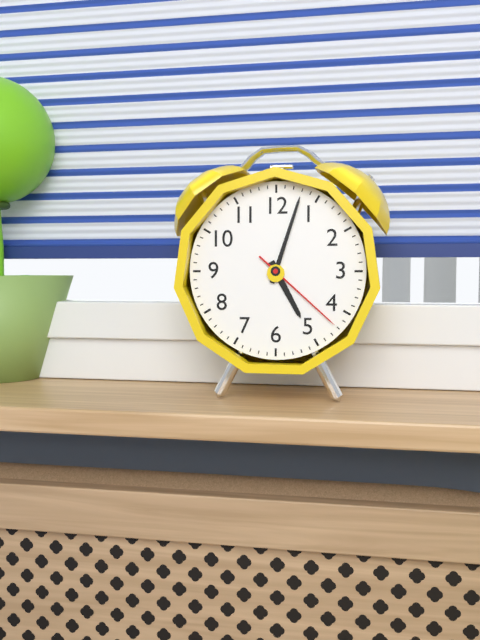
h=5 m=3 s=22
